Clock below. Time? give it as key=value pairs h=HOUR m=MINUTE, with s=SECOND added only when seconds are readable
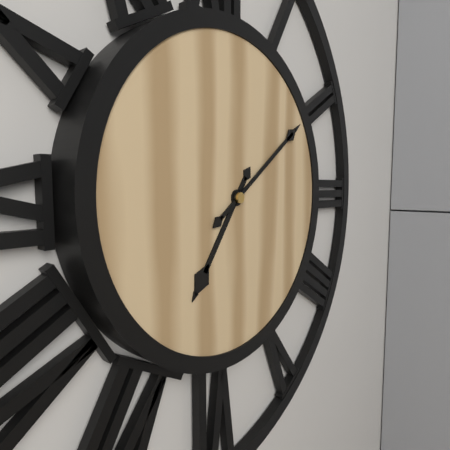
h=7 m=9
